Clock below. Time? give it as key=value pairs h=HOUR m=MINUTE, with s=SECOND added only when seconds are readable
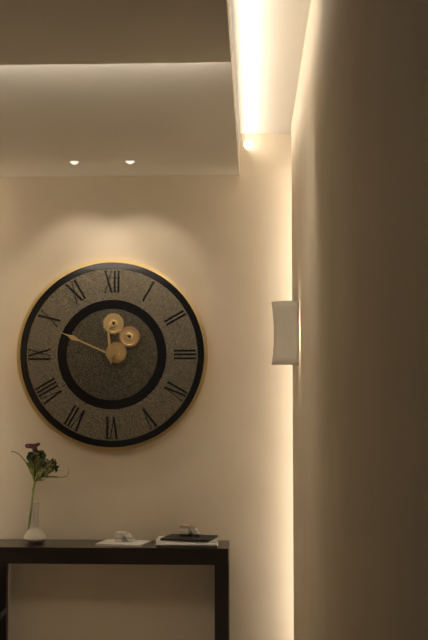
h=11 m=49
